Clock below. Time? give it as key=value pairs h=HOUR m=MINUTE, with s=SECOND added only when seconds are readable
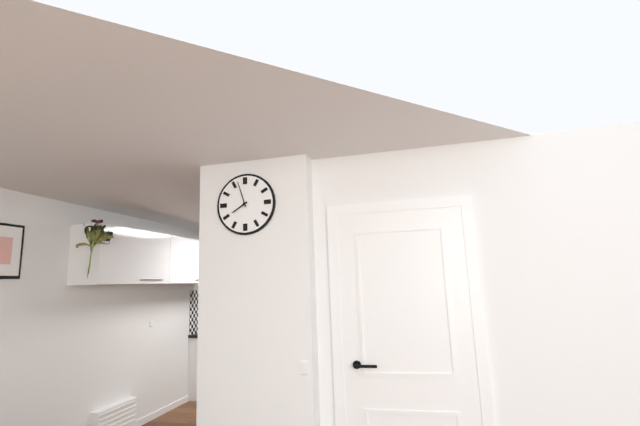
h=7 m=57
